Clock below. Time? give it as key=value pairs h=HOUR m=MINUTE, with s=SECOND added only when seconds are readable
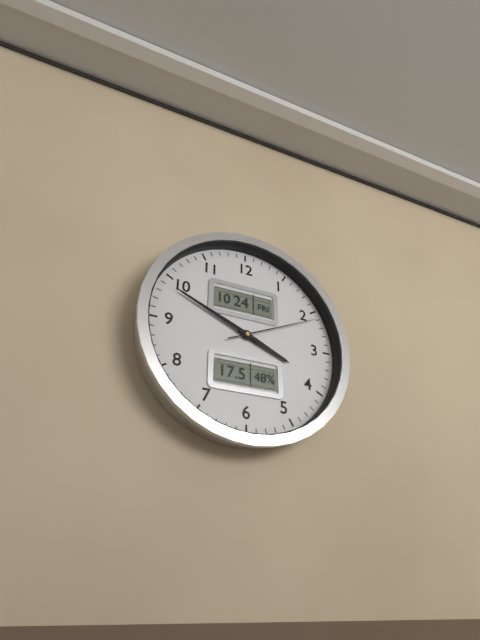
h=3 m=49 s=11
